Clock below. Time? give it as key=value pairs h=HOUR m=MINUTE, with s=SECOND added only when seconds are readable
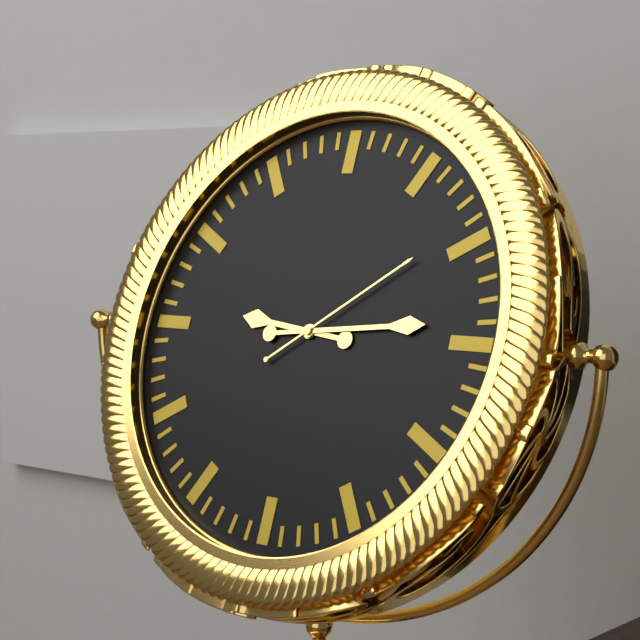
h=9 m=14 s=9
